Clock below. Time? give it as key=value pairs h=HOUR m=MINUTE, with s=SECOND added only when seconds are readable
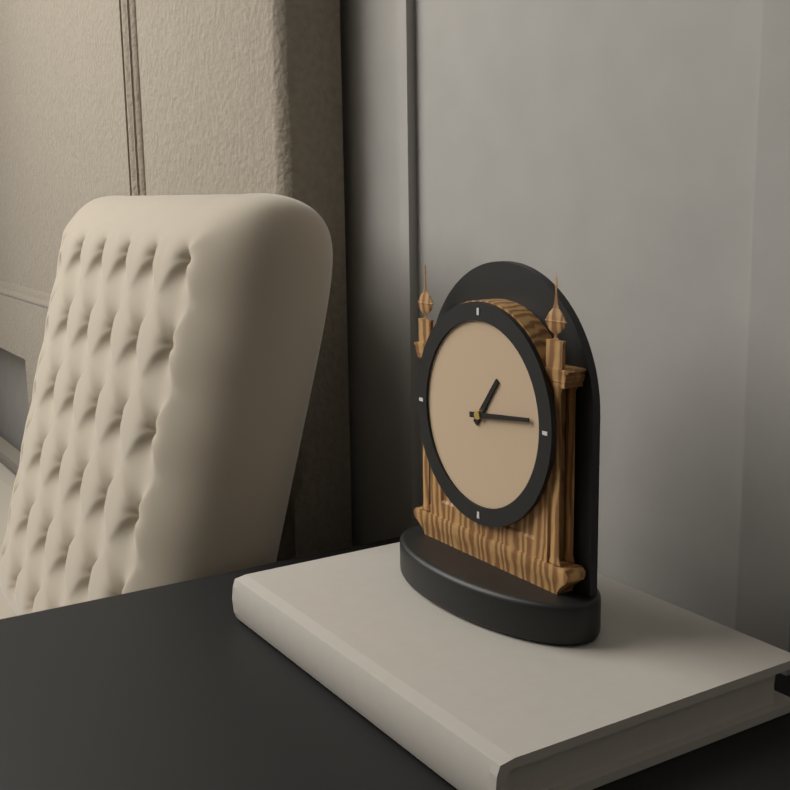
h=1 m=14
